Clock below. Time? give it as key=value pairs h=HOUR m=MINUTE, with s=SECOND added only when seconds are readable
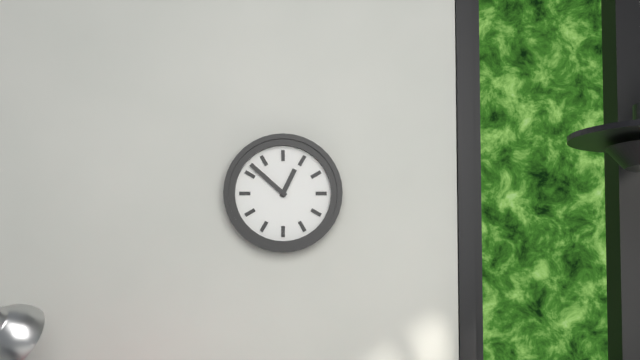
h=12 m=52
